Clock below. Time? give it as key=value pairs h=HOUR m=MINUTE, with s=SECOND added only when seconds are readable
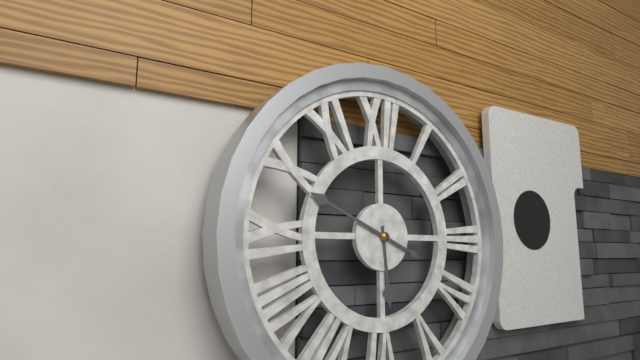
h=5 m=49
